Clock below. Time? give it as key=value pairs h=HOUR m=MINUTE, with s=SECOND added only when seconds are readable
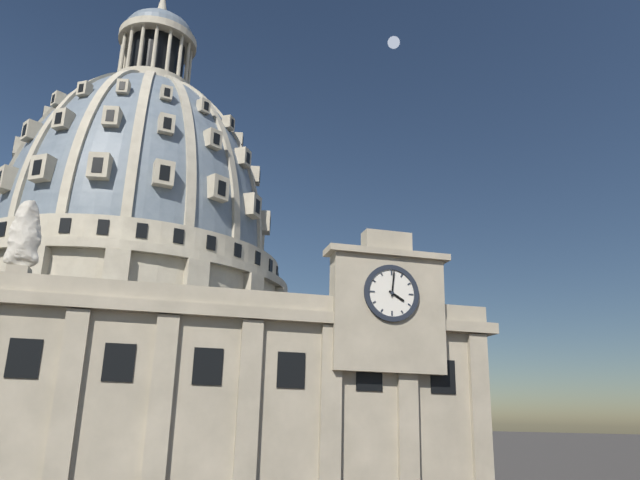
h=4 m=1
